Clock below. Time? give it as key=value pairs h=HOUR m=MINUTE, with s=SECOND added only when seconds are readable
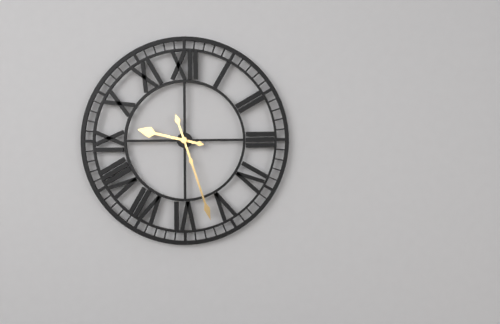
h=9 m=27
